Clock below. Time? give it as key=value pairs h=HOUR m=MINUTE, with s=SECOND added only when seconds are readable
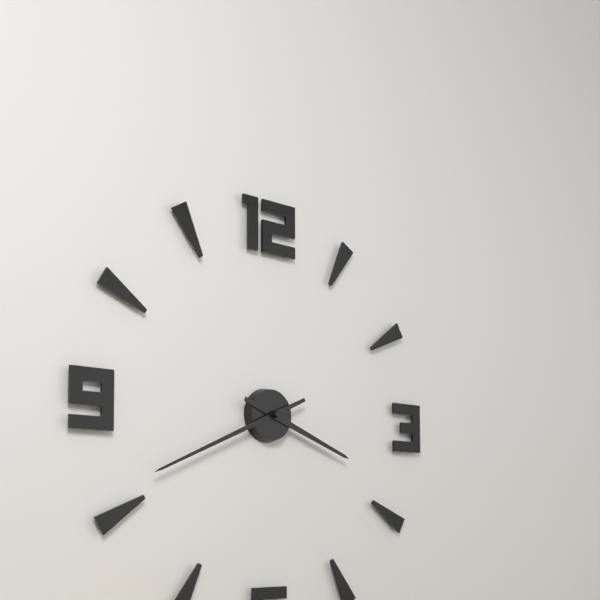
h=3 m=41
